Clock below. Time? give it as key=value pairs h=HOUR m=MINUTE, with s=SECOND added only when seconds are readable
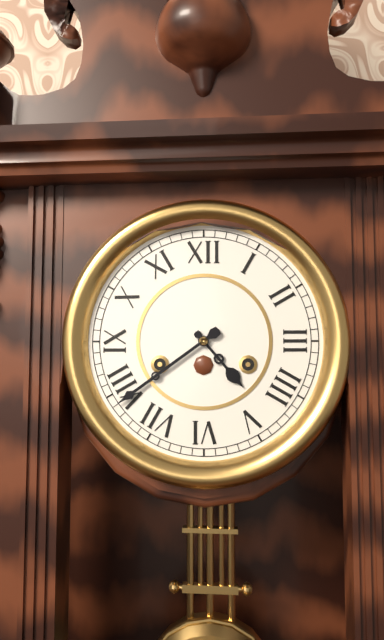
h=4 m=39
